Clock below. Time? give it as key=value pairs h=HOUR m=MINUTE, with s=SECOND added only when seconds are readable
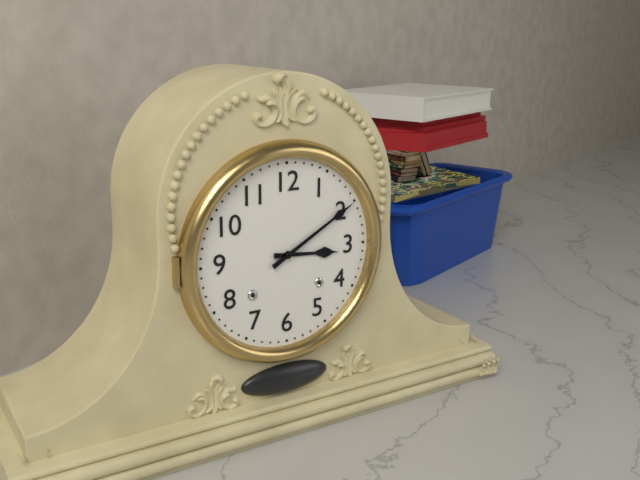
h=3 m=10
